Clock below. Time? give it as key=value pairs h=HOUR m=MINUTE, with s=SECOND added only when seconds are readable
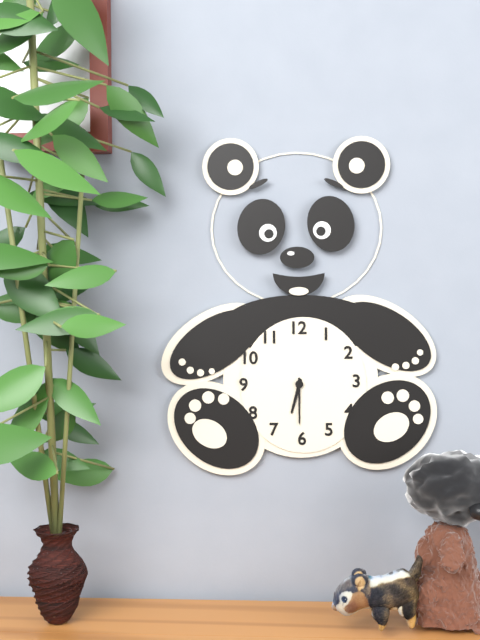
h=6 m=30
